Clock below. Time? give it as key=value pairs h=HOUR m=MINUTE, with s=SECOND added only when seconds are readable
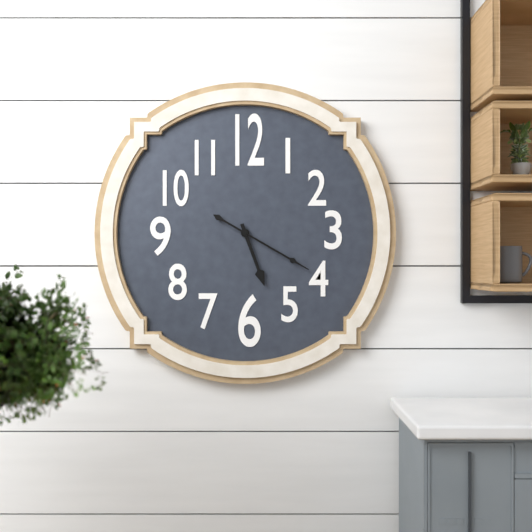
h=5 m=20
